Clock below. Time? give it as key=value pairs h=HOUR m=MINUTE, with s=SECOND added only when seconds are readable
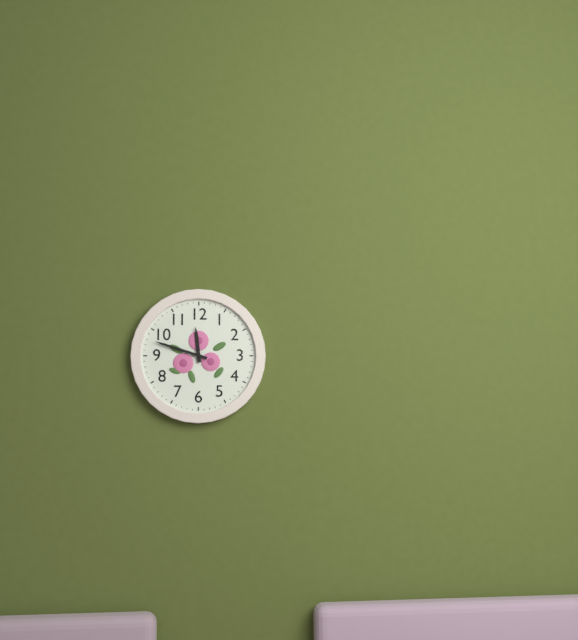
h=11 m=48
